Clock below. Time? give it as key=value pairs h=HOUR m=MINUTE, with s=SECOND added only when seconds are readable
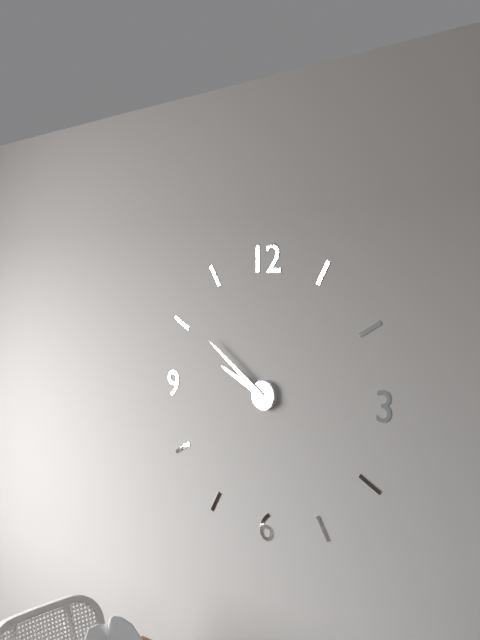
h=9 m=51
